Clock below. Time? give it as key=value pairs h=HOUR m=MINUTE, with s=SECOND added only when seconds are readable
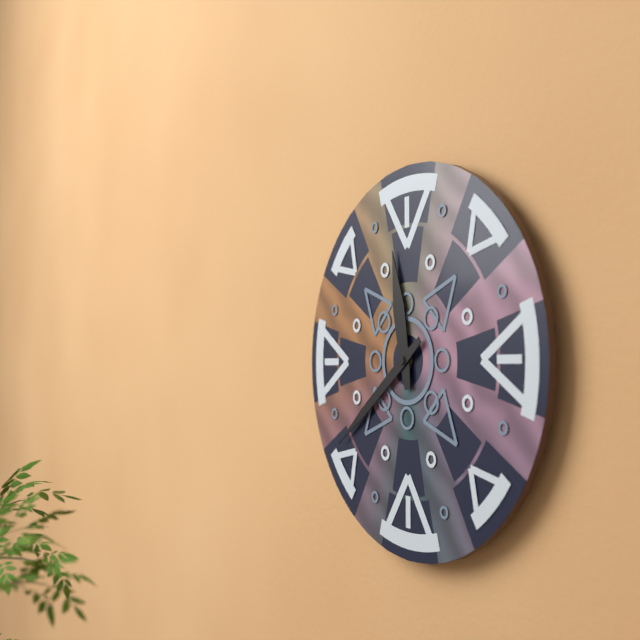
h=11 m=39
